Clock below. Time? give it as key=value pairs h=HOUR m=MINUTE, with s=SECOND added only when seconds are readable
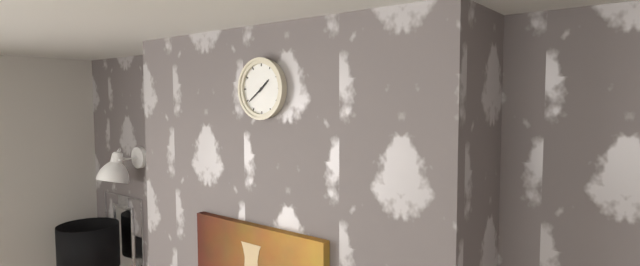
h=1 m=39
